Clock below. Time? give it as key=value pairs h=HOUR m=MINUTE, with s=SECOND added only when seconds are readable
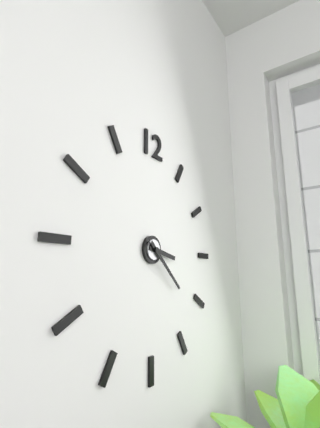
h=3 m=22
